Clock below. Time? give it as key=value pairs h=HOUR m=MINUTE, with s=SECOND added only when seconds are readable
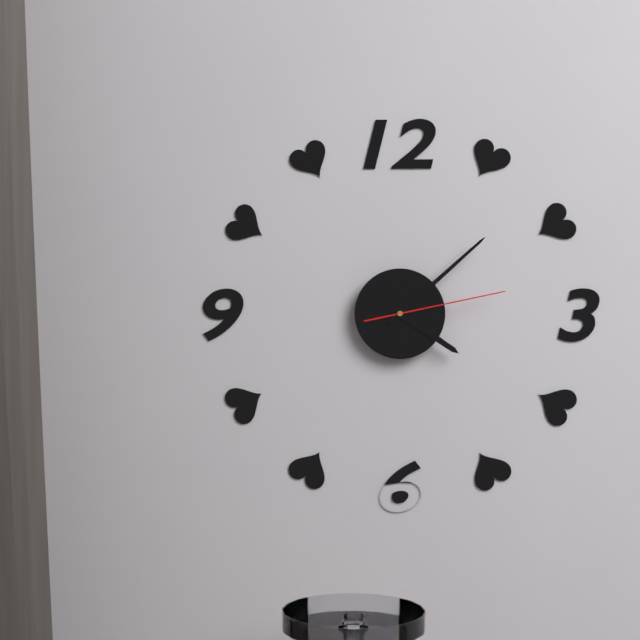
h=4 m=8 s=13
